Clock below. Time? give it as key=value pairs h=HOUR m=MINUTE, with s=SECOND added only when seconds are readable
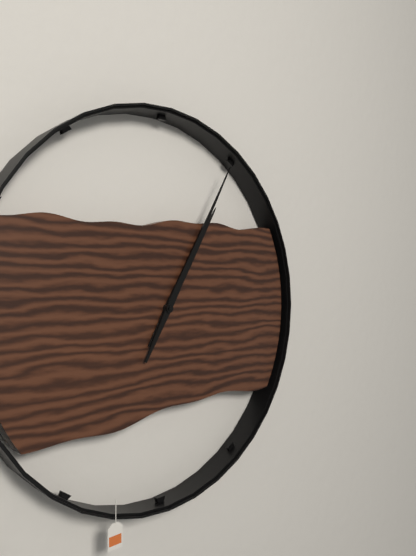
h=1 m=5
